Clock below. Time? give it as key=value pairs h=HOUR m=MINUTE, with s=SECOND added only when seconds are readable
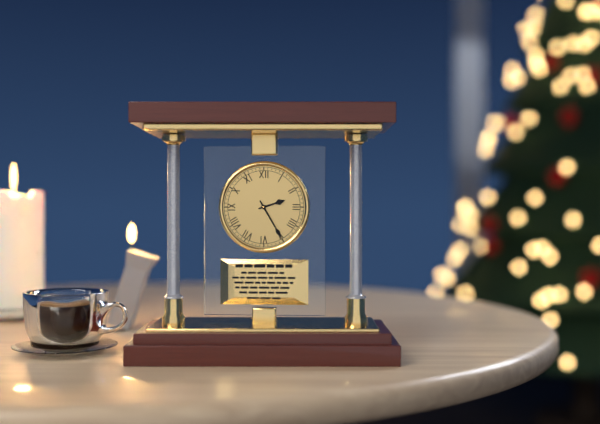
h=2 m=25
